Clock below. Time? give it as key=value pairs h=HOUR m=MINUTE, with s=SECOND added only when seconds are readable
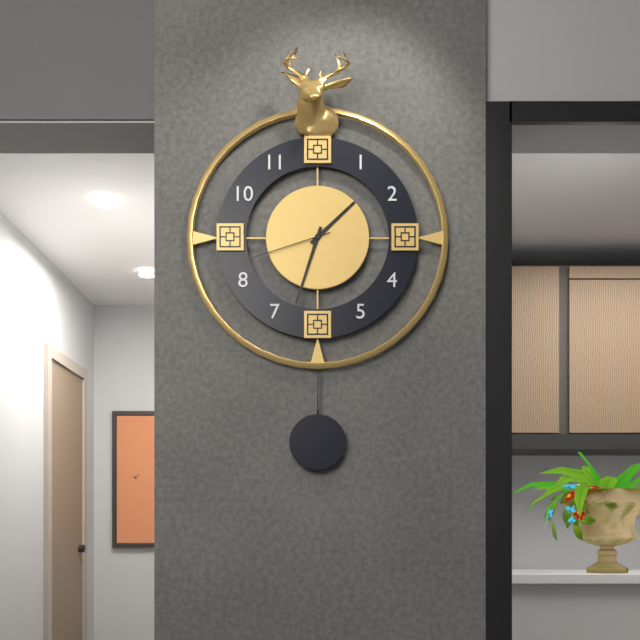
h=1 m=33 s=42
